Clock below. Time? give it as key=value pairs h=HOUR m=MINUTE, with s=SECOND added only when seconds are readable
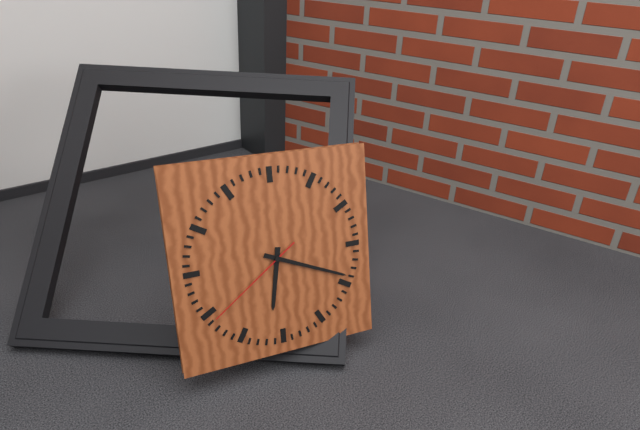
h=6 m=19 s=39
